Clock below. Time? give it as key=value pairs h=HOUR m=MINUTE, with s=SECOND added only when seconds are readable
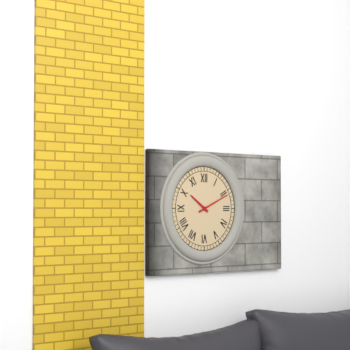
h=10 m=11
